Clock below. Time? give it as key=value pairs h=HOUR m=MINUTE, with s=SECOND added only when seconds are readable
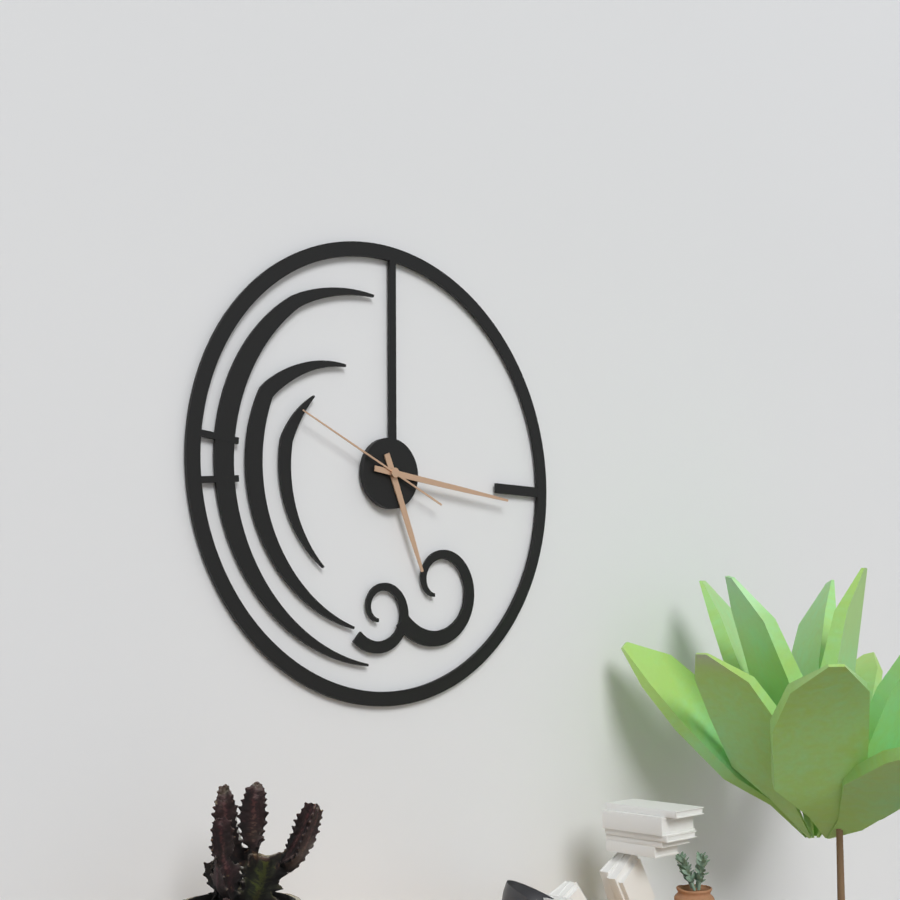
h=5 m=16 s=49
